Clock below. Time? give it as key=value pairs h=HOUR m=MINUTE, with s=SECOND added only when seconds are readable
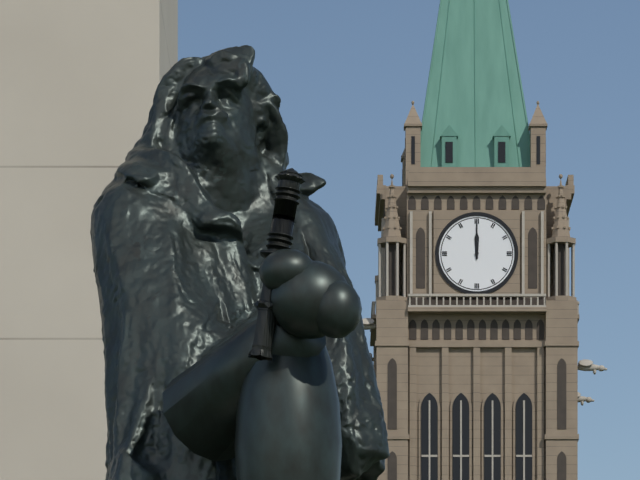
h=12 m=0
